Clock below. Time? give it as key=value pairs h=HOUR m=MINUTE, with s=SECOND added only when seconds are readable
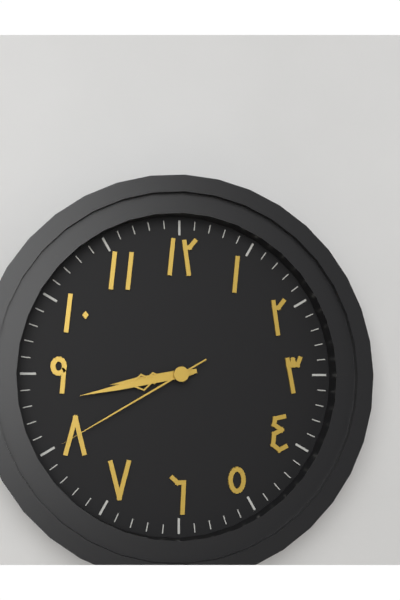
h=8 m=43 s=40
